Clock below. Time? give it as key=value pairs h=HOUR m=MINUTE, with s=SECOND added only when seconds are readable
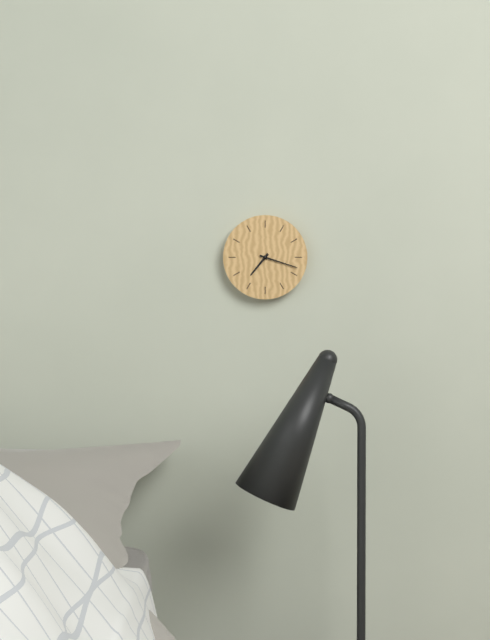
h=7 m=18
